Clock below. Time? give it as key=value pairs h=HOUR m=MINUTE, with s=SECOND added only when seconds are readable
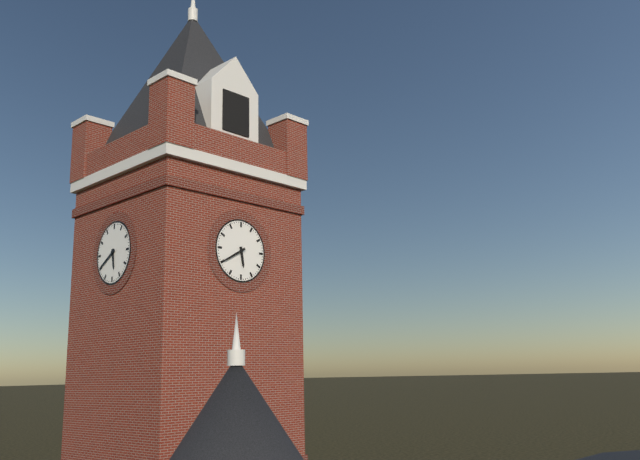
h=5 m=40
